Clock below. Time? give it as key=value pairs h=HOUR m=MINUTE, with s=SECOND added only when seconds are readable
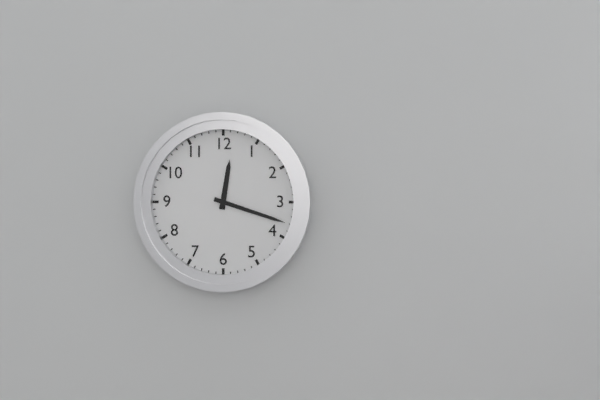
h=12 m=18
